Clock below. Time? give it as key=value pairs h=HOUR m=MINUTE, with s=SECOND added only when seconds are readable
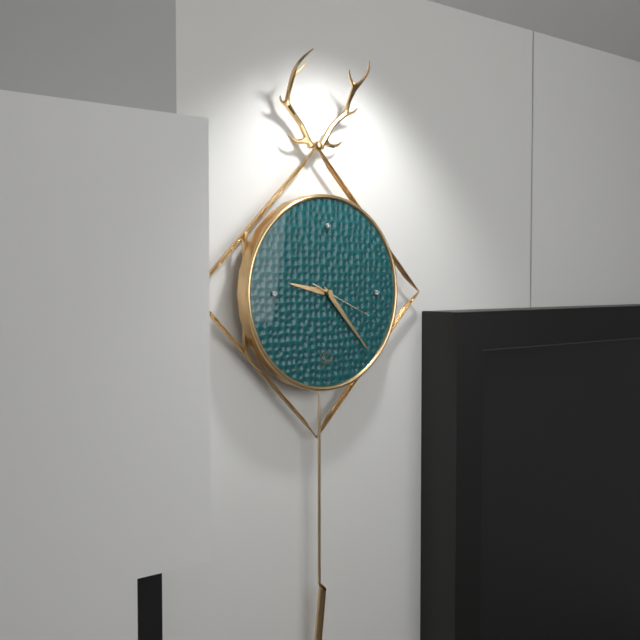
h=9 m=23 s=19
